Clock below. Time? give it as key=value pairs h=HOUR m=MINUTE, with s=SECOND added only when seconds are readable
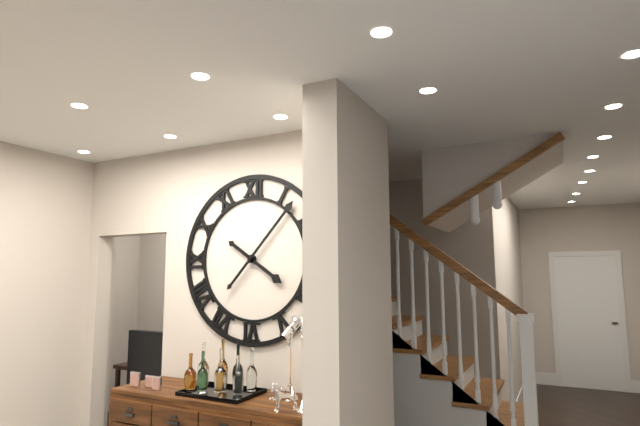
h=4 m=7
